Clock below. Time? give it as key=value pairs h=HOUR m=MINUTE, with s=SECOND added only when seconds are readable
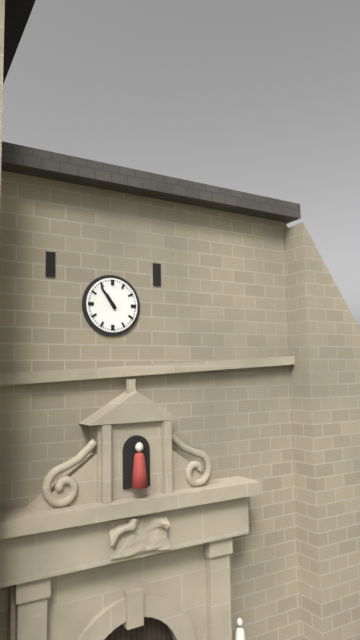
h=10 m=54
